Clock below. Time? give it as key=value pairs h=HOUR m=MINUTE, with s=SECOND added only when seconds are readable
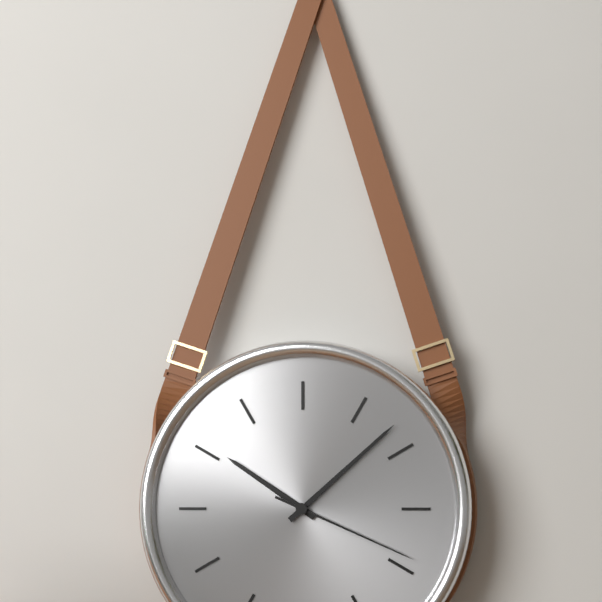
h=10 m=8 s=19
